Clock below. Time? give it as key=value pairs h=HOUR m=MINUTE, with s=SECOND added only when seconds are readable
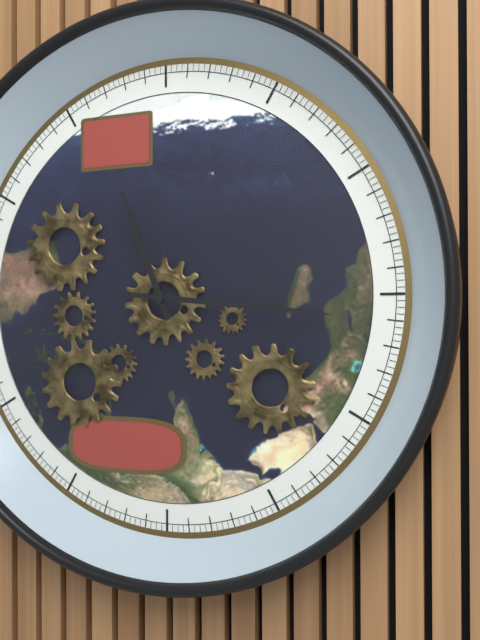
h=11 m=16
